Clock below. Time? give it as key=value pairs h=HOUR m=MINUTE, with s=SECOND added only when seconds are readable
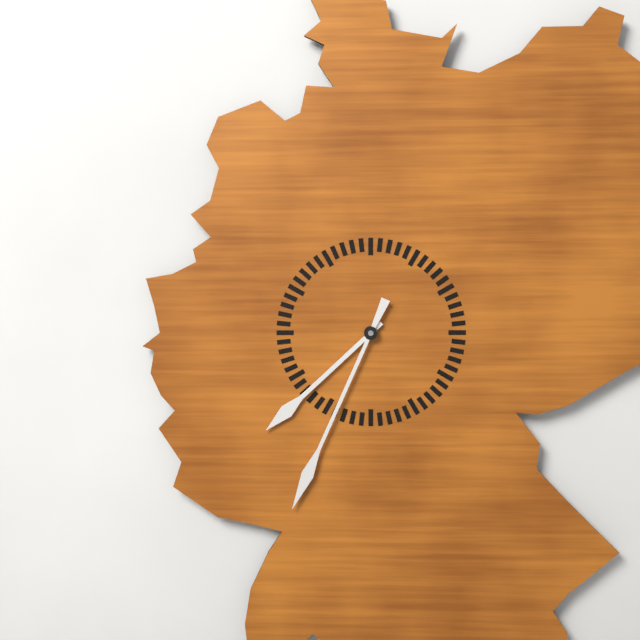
h=7 m=34
